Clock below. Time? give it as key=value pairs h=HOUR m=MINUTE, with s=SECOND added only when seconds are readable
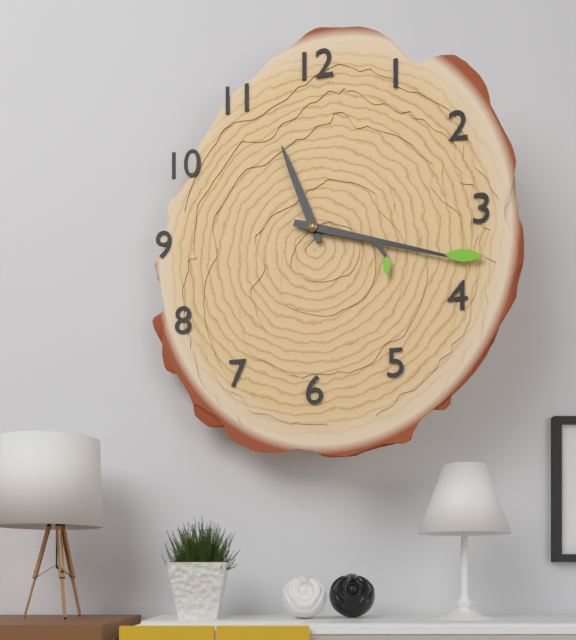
h=11 m=18
